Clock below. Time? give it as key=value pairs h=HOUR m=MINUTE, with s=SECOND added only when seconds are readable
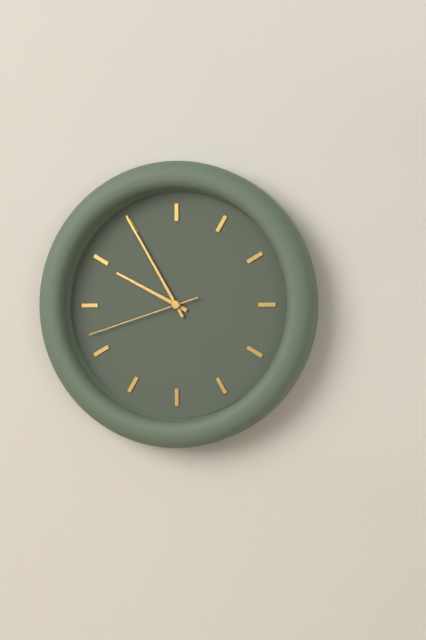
h=9 m=55 s=42
